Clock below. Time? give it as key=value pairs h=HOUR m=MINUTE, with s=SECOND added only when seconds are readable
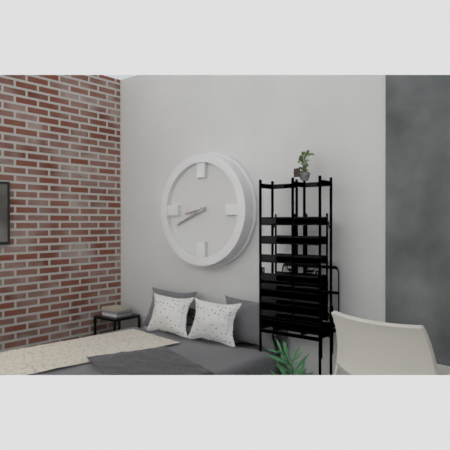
h=8 m=41
